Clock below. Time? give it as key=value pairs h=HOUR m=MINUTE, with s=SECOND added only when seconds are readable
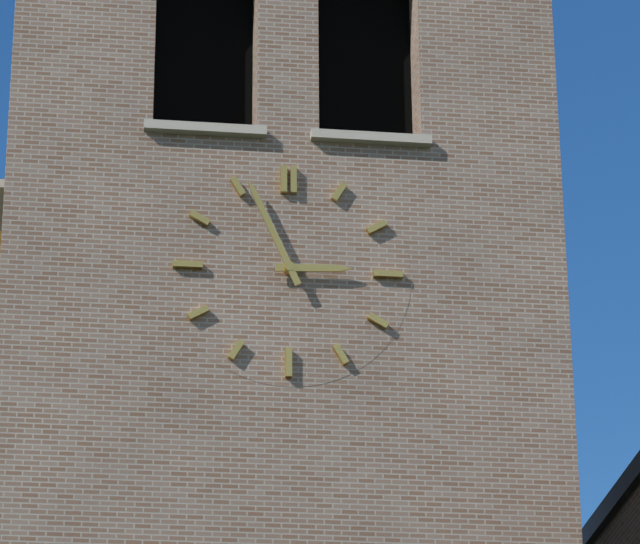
h=2 m=56
